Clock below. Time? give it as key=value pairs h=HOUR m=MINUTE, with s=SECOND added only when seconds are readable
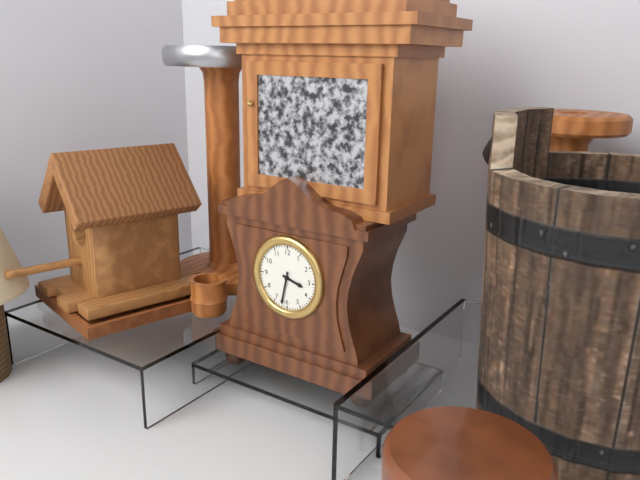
h=3 m=32
